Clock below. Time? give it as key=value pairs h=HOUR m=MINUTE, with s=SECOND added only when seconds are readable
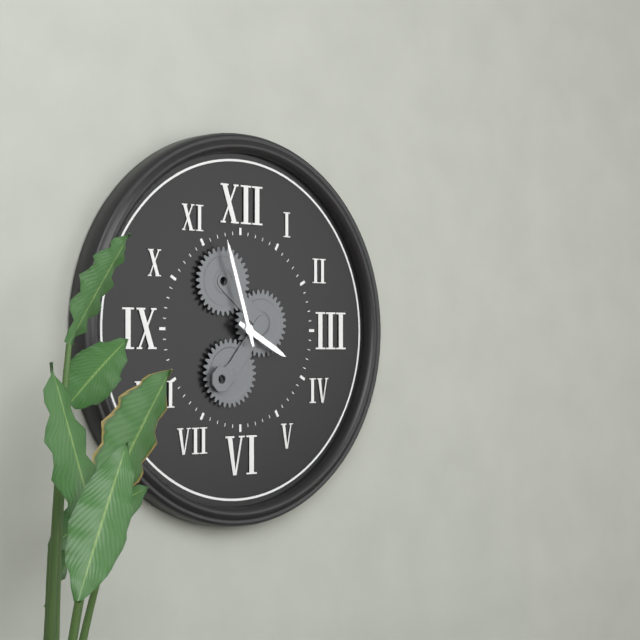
h=3 m=57
